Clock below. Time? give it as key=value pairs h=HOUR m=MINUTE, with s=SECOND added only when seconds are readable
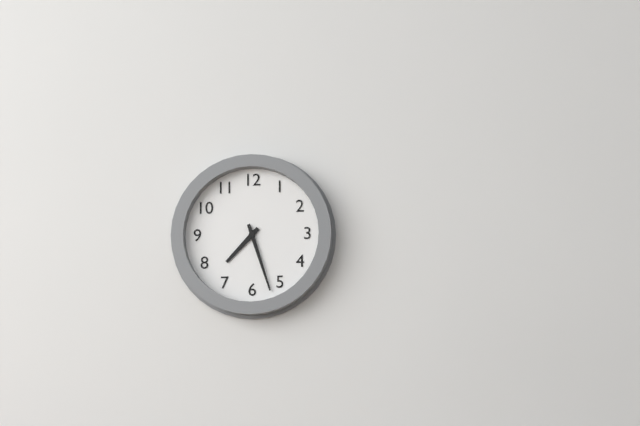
h=7 m=27
